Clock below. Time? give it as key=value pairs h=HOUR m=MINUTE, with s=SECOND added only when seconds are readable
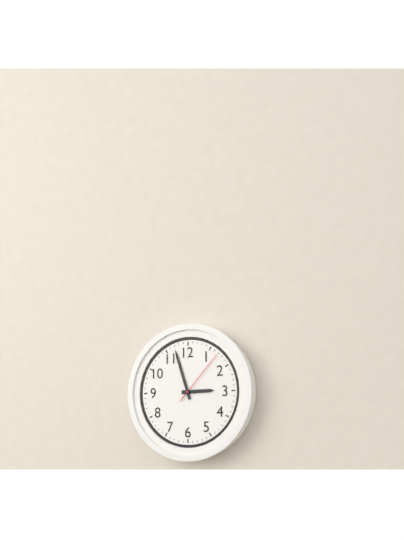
h=2 m=57 s=7
